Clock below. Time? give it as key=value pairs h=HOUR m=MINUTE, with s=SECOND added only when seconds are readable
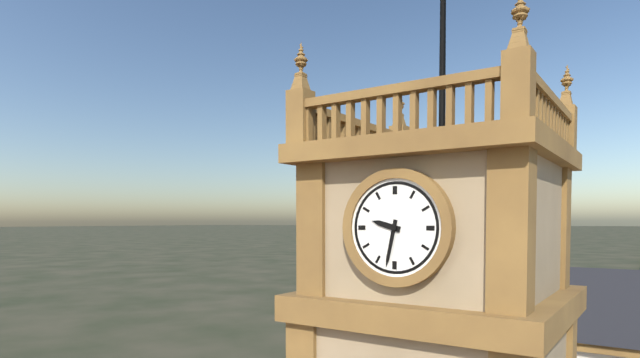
h=9 m=32
